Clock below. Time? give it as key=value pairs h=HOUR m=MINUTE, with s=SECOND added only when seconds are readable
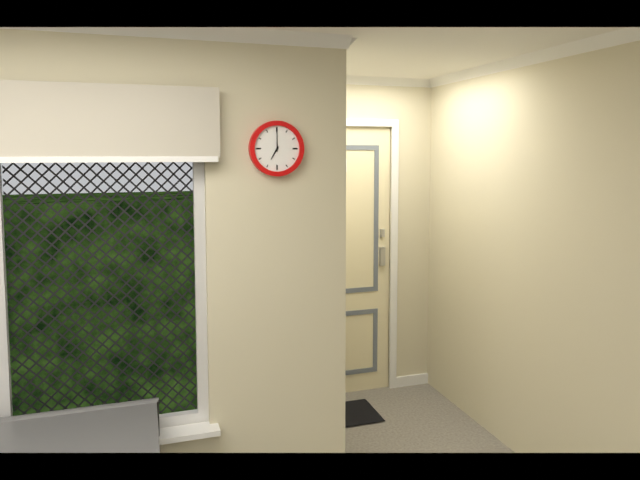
h=7 m=0
